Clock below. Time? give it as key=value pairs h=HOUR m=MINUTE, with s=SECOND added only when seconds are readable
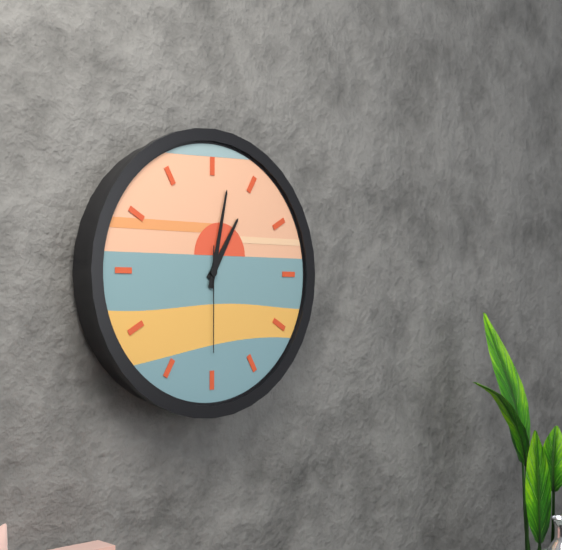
h=1 m=2 s=30
